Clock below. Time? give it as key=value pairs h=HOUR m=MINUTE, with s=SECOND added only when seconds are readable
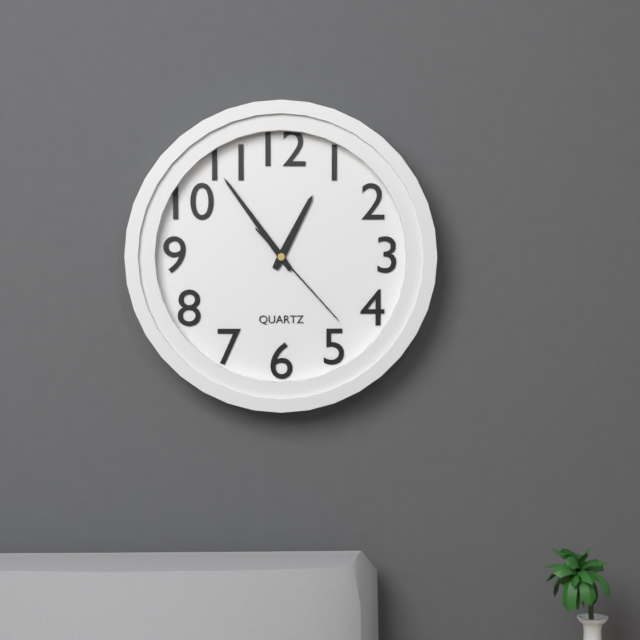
h=12 m=54 s=23
